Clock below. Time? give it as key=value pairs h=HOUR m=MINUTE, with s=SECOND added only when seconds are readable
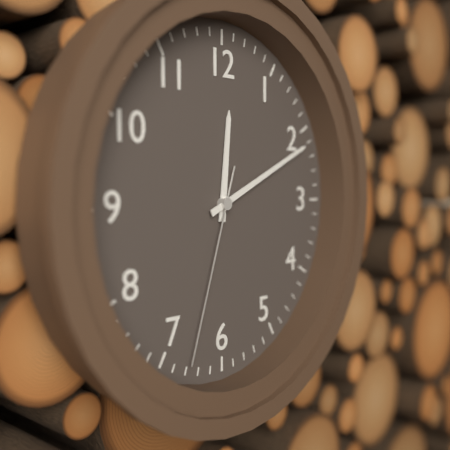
h=12 m=11 s=33
